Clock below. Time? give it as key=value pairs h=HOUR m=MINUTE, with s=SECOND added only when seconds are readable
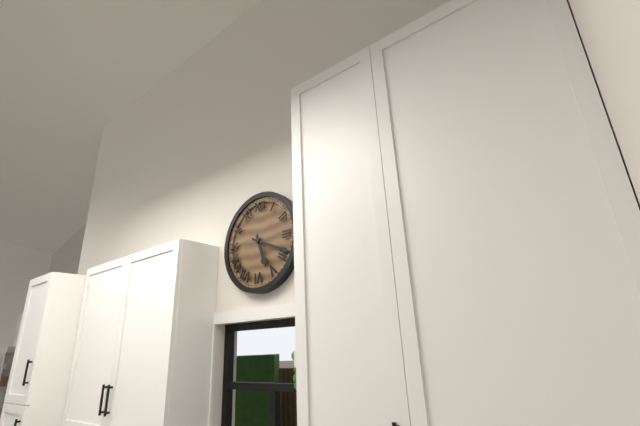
h=5 m=19
